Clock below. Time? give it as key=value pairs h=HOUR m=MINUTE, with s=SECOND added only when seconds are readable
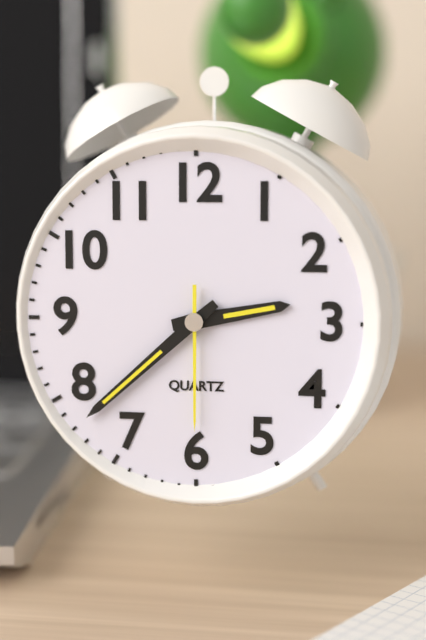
h=2 m=38 s=30
